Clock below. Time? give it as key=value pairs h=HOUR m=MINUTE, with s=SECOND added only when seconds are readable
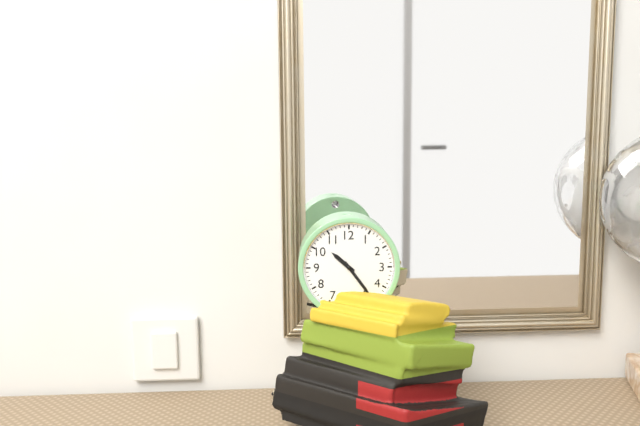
h=10 m=24
